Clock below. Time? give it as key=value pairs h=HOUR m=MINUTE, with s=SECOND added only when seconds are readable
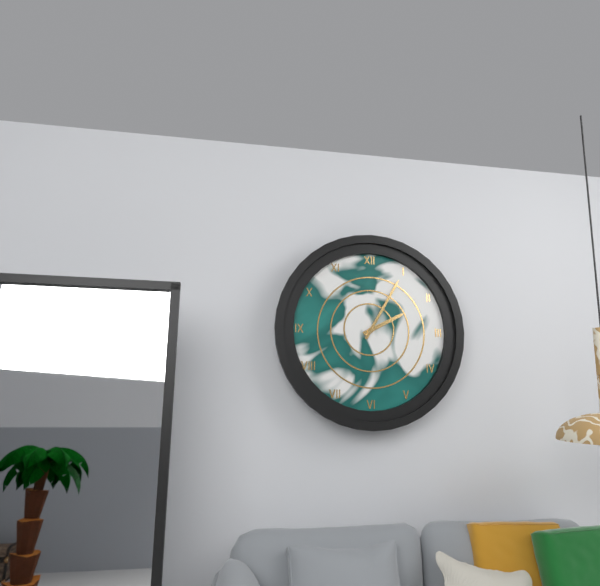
h=2 m=5
